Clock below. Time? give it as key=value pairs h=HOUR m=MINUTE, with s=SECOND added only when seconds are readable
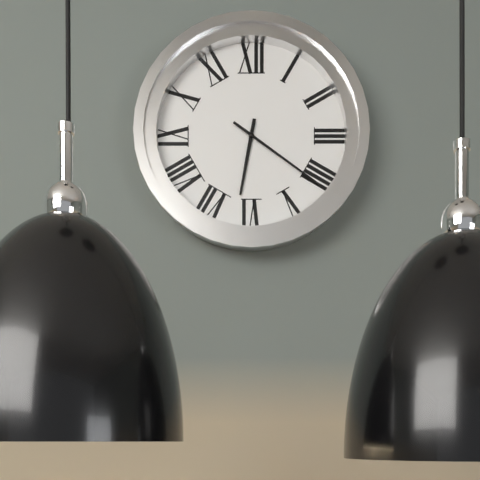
h=6 m=21
